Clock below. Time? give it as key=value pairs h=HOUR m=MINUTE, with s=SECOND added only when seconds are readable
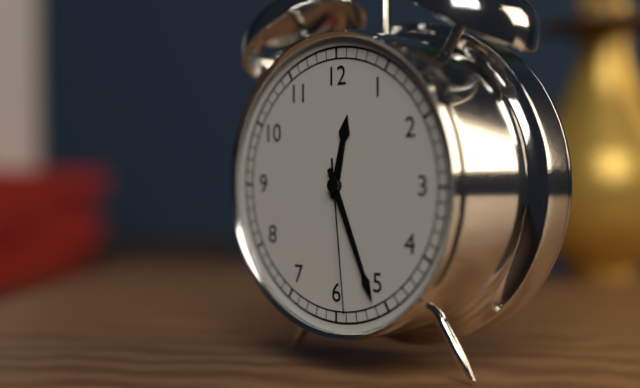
h=12 m=26 s=29
